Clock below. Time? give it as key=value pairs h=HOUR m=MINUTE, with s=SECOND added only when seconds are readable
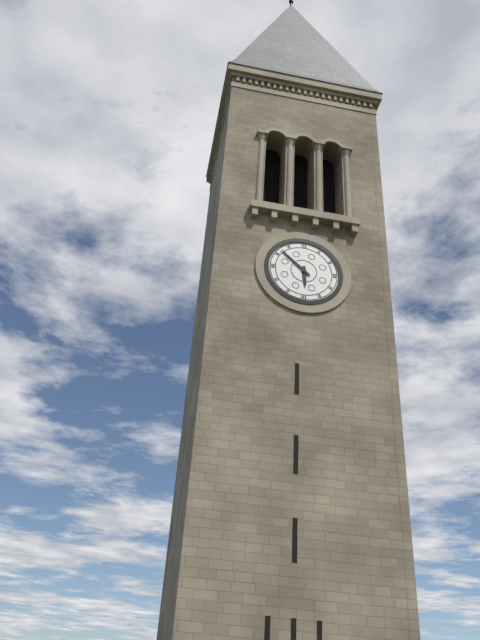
h=5 m=52
